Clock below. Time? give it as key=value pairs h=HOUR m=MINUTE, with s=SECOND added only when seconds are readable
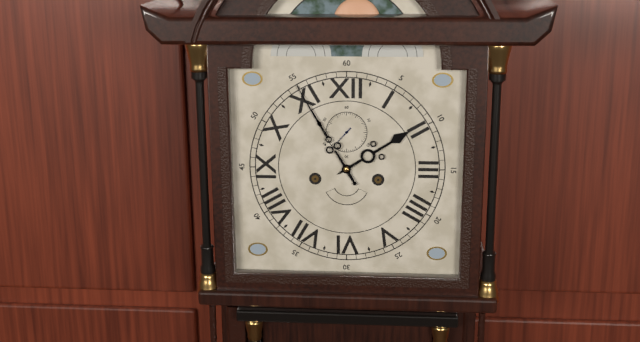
h=1 m=55
